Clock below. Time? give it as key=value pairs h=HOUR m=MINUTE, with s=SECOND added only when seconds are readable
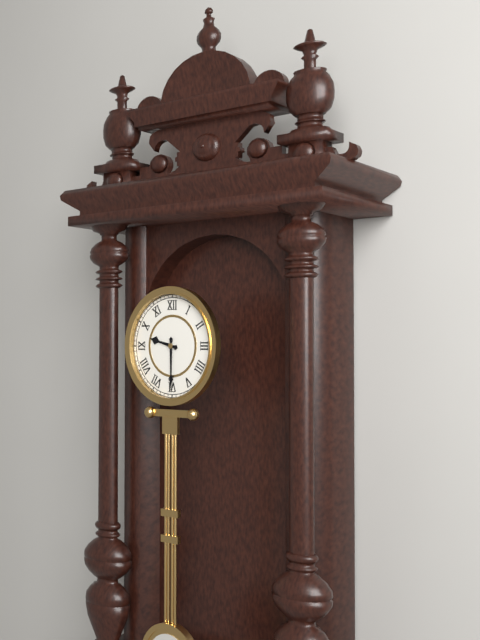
h=9 m=30
